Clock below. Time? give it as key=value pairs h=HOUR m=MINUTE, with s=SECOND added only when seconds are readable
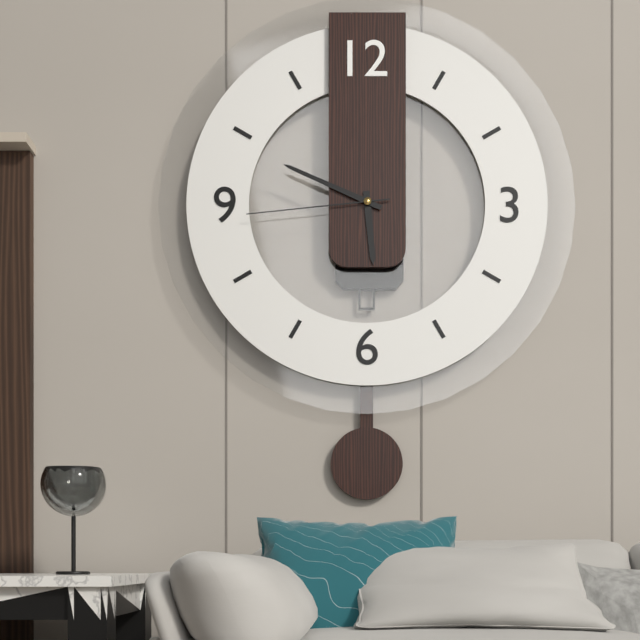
h=5 m=49 s=44
